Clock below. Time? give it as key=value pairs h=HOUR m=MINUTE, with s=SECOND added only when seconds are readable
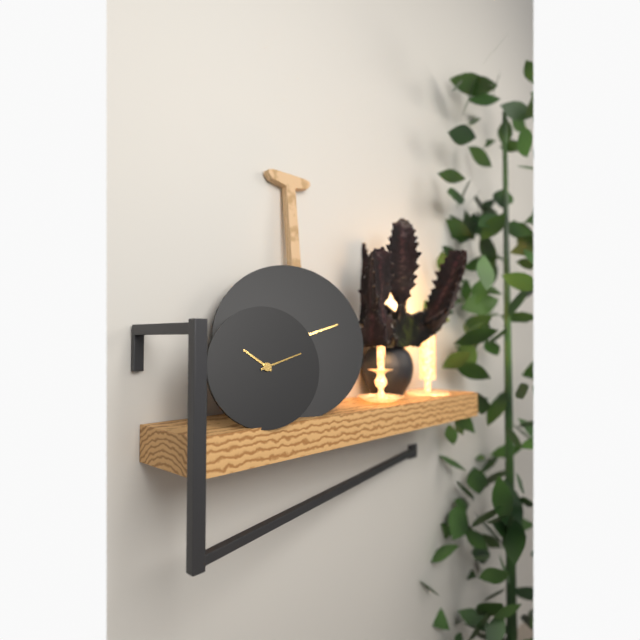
h=10 m=12
